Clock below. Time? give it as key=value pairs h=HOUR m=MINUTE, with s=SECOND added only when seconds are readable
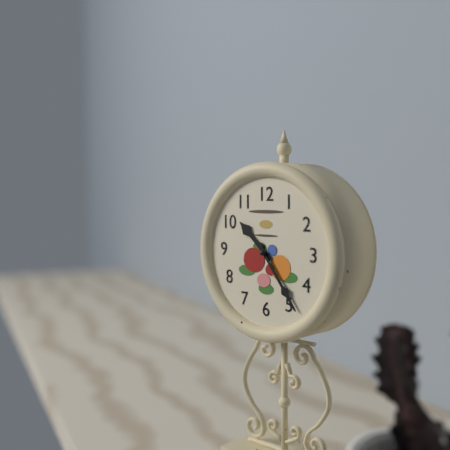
h=10 m=24
